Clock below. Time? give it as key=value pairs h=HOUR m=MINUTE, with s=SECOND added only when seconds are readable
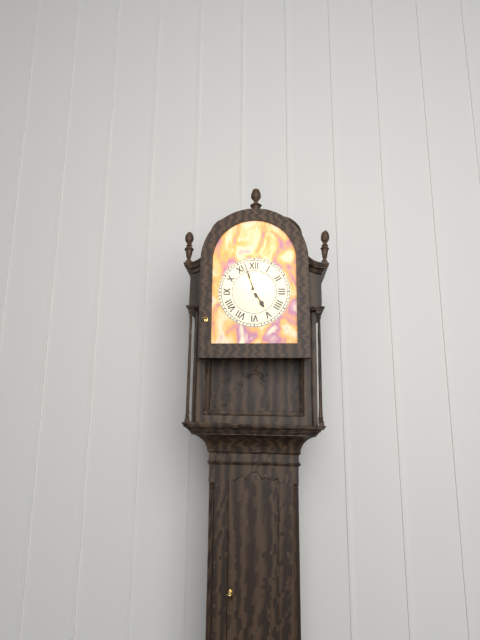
h=4 m=57
